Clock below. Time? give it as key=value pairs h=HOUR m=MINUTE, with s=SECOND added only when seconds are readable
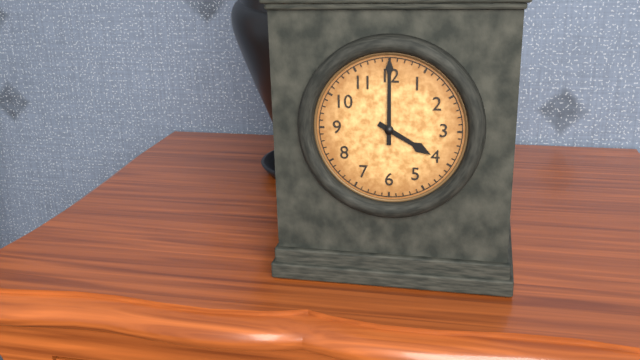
h=4 m=0
